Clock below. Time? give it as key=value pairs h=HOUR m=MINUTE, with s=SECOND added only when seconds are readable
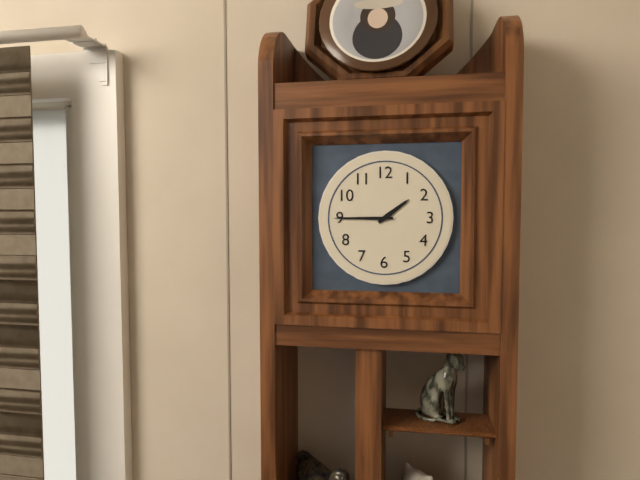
h=1 m=45
